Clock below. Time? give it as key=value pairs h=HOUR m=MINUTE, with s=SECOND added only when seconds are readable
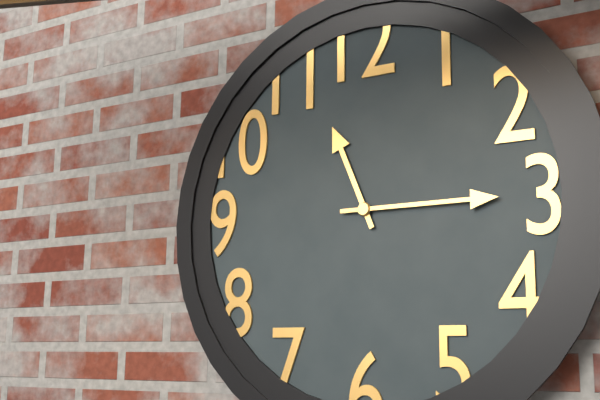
h=11 m=15
